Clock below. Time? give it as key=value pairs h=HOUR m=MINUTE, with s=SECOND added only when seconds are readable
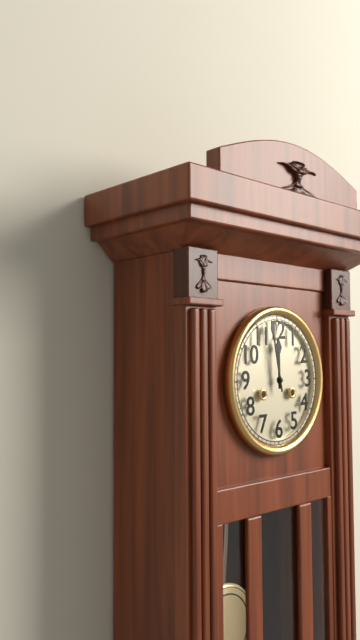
h=11 m=58
